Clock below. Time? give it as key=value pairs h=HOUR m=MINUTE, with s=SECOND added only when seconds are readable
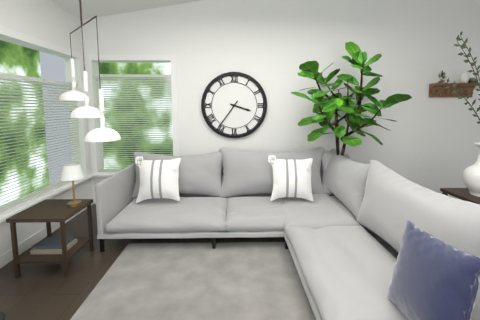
h=3 m=36
